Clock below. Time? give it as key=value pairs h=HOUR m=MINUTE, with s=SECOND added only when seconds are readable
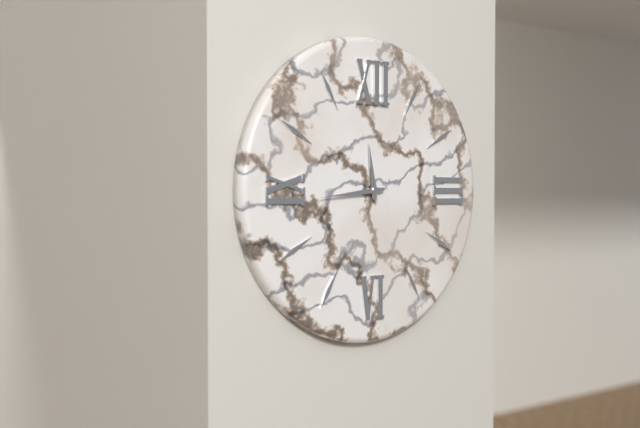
h=11 m=44
